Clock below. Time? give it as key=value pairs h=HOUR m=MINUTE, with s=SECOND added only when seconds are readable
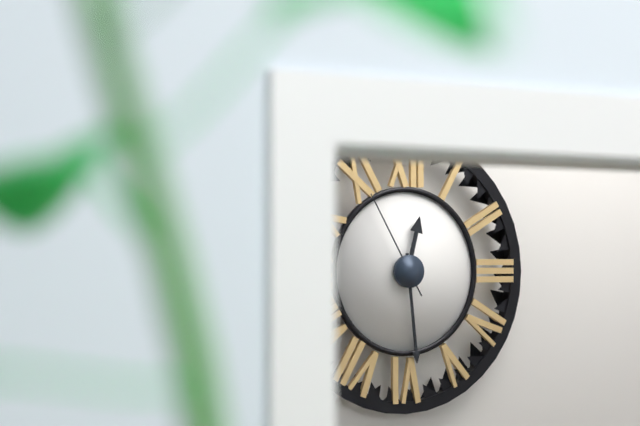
h=12 m=29 s=55
